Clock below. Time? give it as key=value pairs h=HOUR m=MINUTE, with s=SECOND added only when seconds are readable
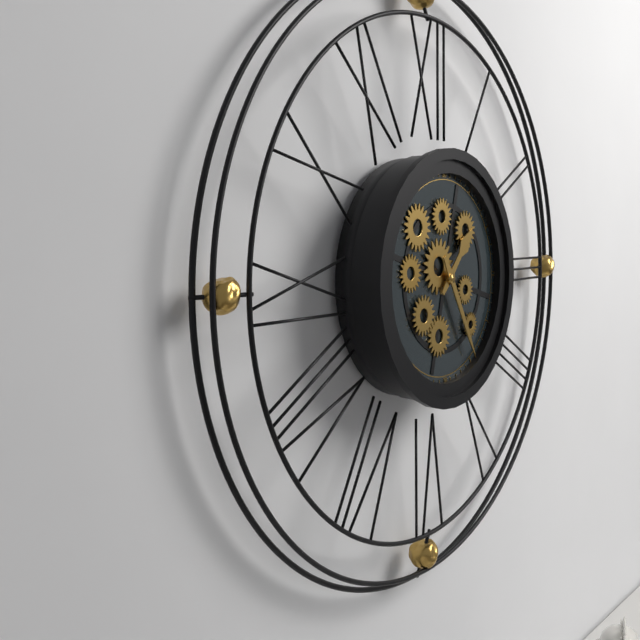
h=1 m=25
